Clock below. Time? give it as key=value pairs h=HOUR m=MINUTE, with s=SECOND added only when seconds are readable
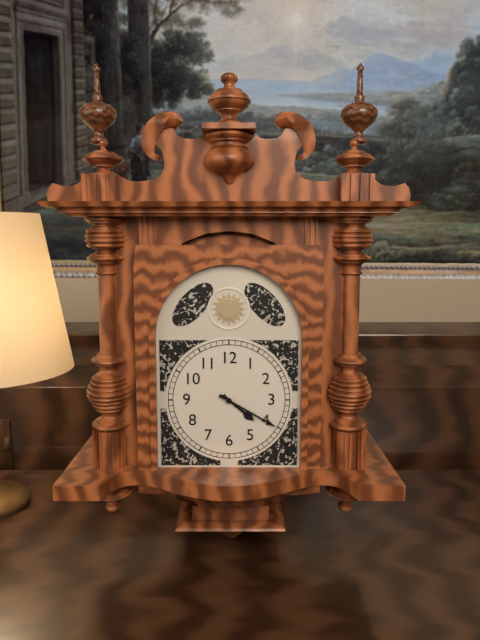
h=4 m=20
